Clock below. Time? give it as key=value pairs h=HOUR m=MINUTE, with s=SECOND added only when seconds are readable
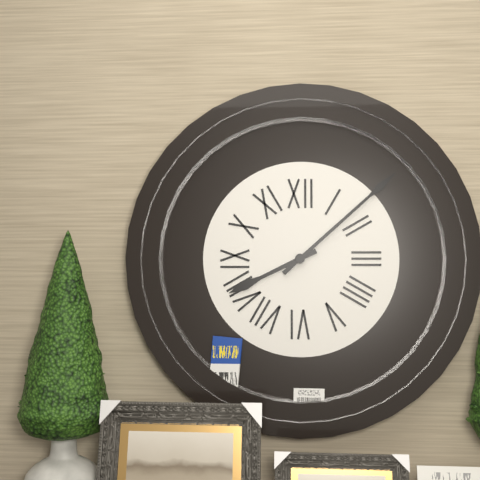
h=8 m=8
